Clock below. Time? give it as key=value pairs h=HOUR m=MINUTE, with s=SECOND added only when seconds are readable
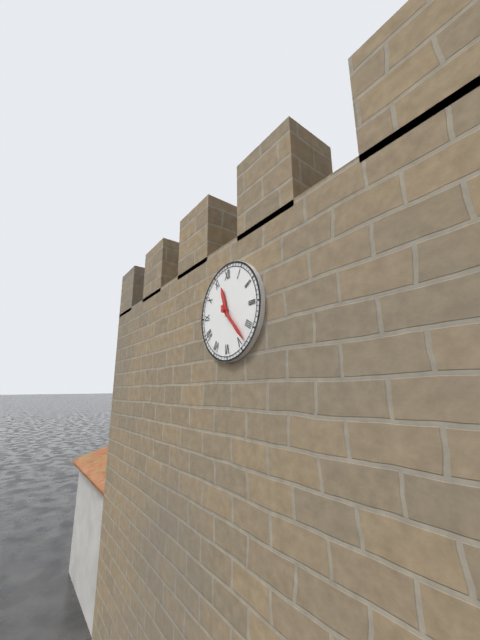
h=11 m=23
